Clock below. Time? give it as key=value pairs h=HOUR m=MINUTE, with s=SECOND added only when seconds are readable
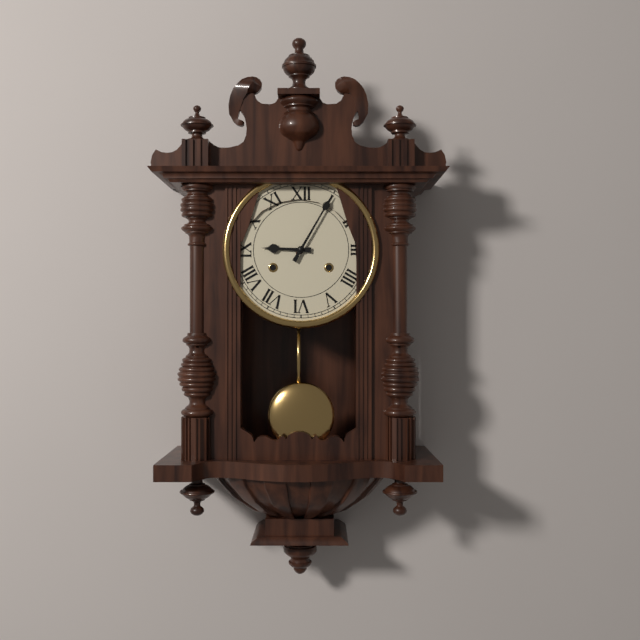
h=9 m=5
